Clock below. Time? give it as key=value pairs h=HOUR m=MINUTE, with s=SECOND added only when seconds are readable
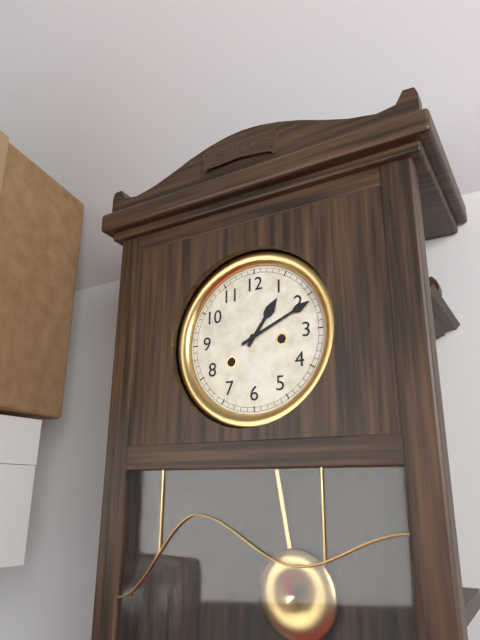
h=1 m=11
